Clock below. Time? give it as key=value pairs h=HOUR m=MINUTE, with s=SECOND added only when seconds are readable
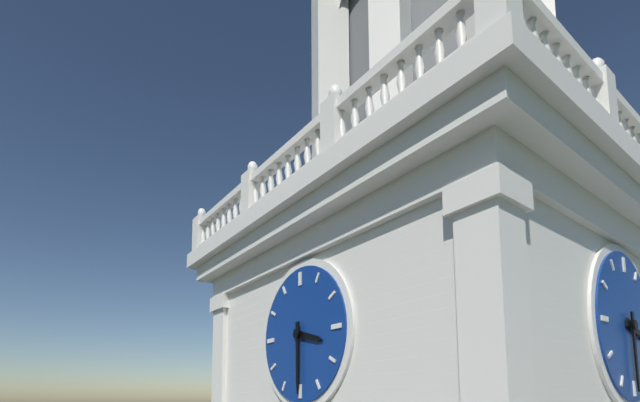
h=3 m=30
